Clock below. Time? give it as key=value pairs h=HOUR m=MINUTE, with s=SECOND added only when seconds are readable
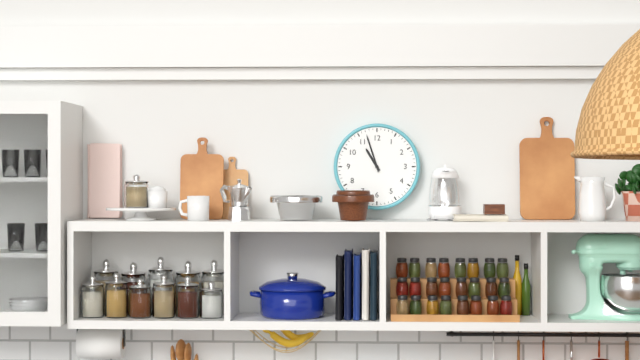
h=10 m=57
